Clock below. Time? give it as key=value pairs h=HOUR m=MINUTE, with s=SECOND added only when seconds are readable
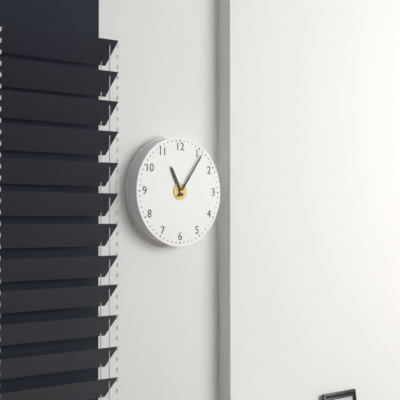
h=11 m=6
